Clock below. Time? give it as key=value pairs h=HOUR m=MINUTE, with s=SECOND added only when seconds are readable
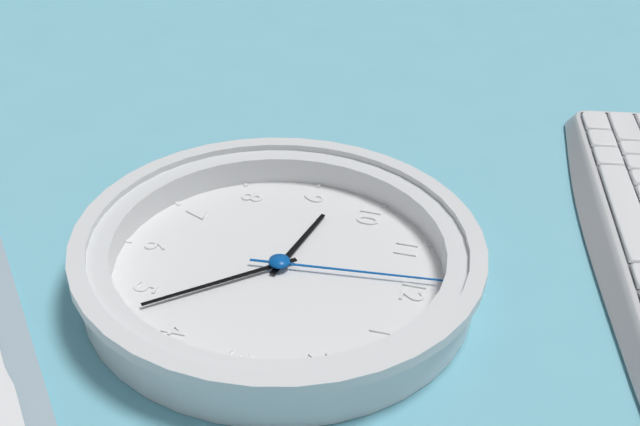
h=9 m=23 s=59
